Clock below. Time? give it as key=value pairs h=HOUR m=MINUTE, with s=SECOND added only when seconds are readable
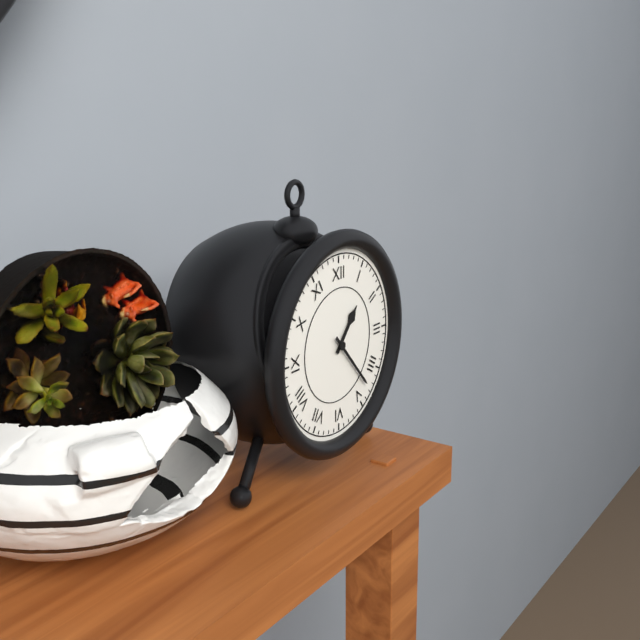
h=1 m=23
